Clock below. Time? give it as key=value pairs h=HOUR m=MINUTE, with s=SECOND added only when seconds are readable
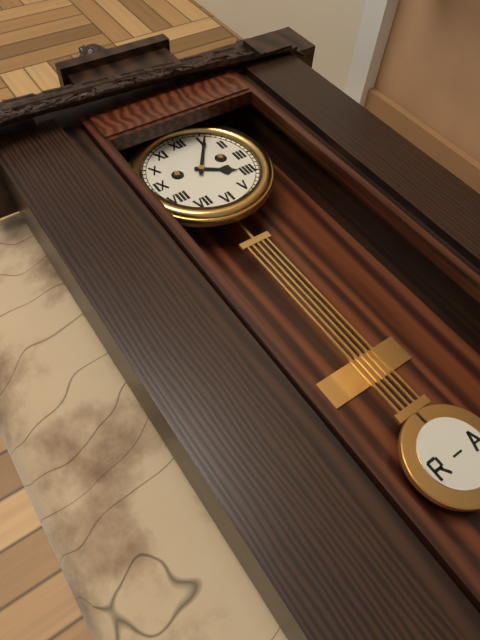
h=4 m=6
